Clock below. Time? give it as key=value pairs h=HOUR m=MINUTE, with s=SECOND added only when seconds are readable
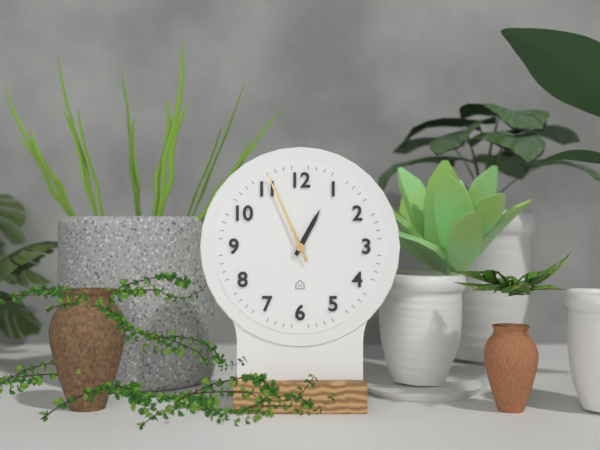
h=12 m=56
